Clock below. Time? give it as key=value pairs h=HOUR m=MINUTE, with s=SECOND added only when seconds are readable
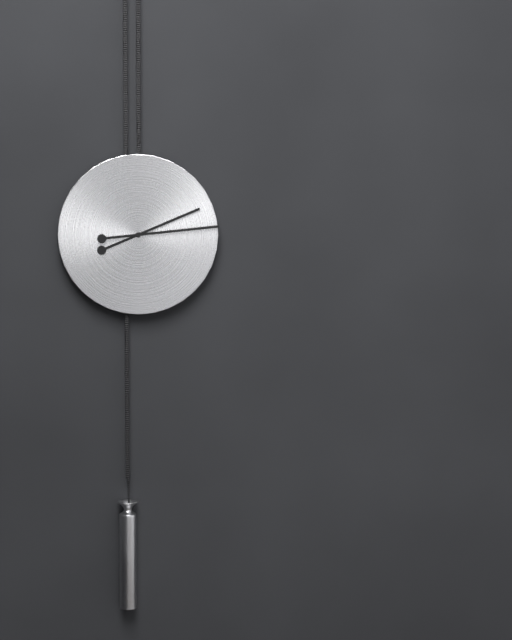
h=2 m=14
